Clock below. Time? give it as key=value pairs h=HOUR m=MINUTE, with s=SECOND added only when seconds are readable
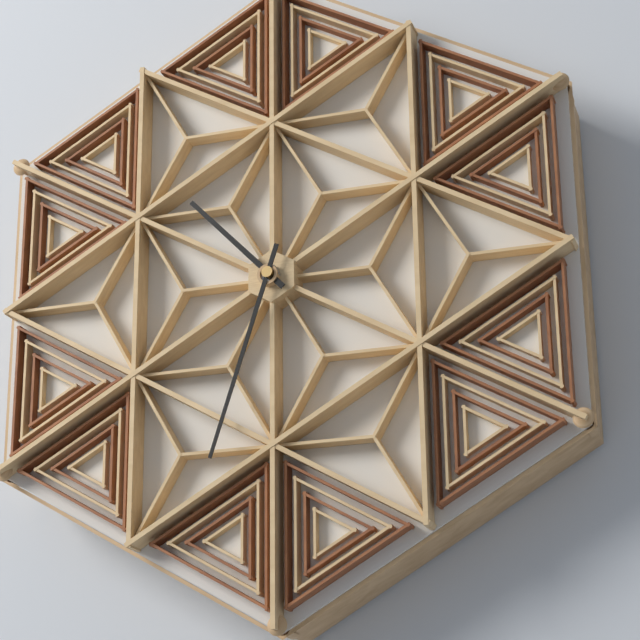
h=10 m=33
